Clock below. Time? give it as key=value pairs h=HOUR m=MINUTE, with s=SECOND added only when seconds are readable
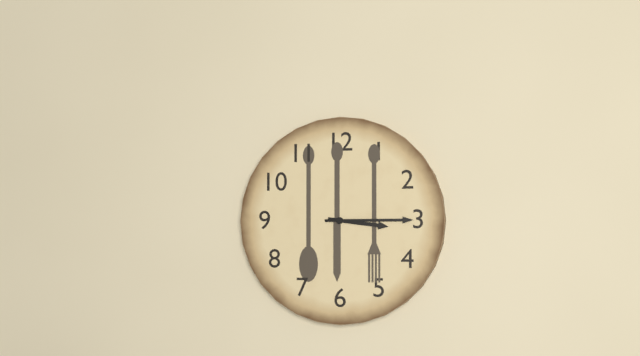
h=3 m=15
